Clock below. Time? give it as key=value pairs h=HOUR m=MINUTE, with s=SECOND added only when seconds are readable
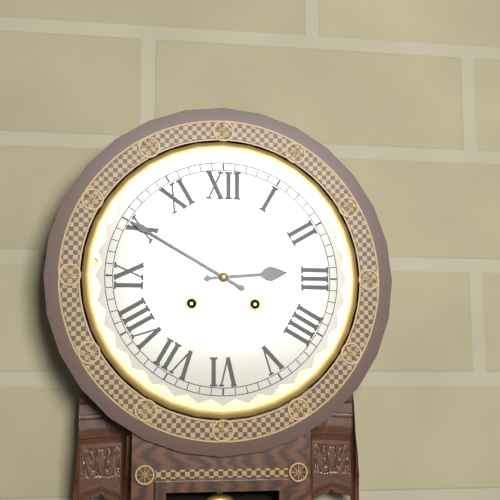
h=2 m=50
